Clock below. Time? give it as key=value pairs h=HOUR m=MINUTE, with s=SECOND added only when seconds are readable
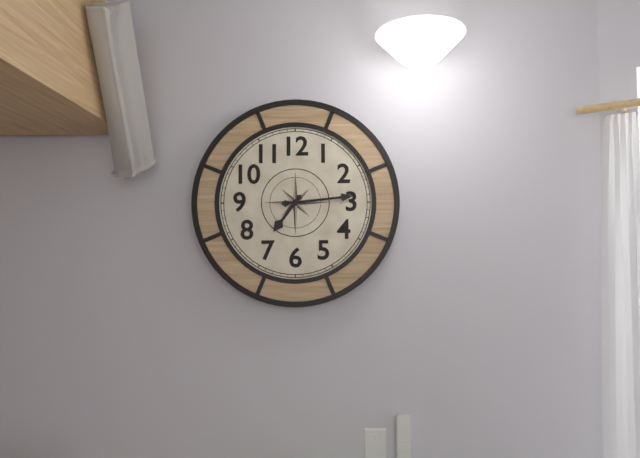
h=7 m=14
